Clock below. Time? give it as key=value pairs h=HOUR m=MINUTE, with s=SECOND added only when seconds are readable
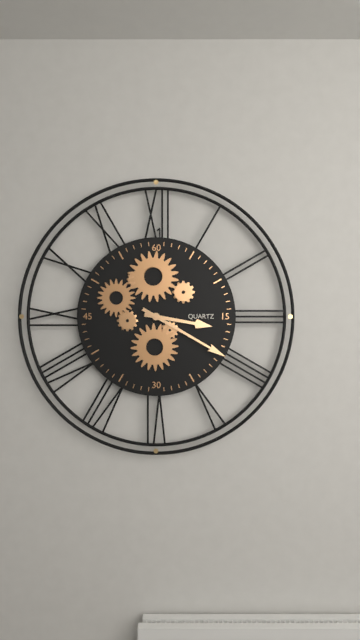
h=3 m=20
